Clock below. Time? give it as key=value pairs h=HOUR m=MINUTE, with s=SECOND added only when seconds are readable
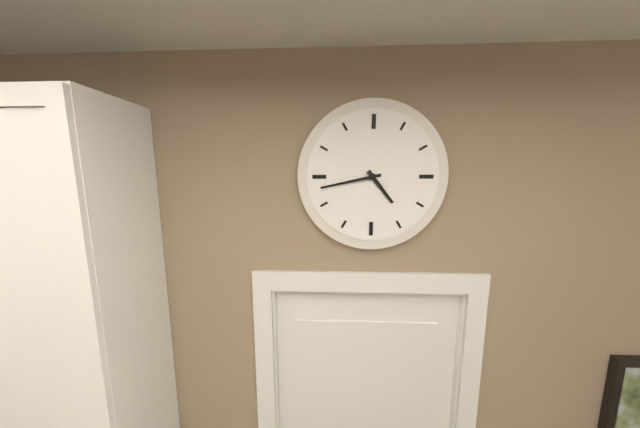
h=4 m=43
